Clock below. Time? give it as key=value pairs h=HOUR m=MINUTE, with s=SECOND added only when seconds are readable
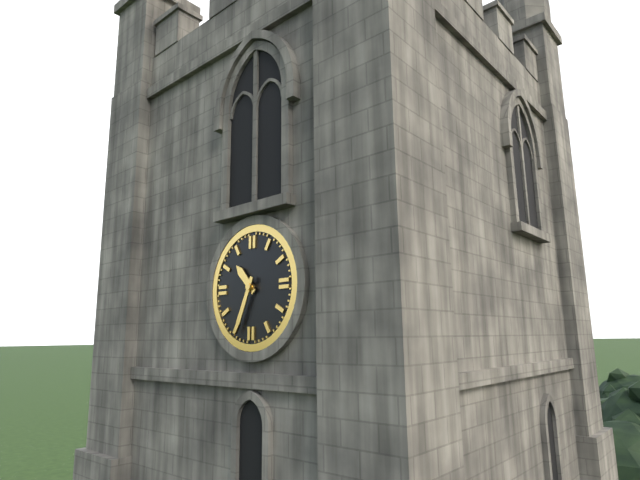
h=10 m=34
